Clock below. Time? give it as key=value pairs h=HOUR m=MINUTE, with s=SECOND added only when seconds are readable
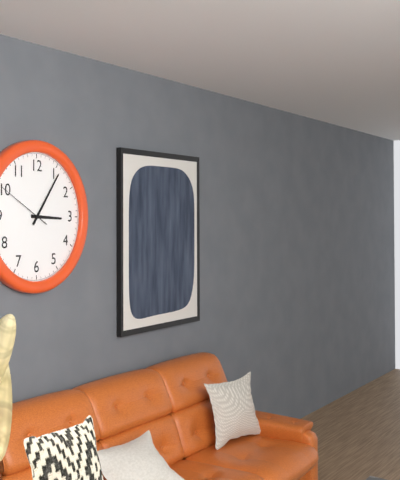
h=3 m=6 s=50
